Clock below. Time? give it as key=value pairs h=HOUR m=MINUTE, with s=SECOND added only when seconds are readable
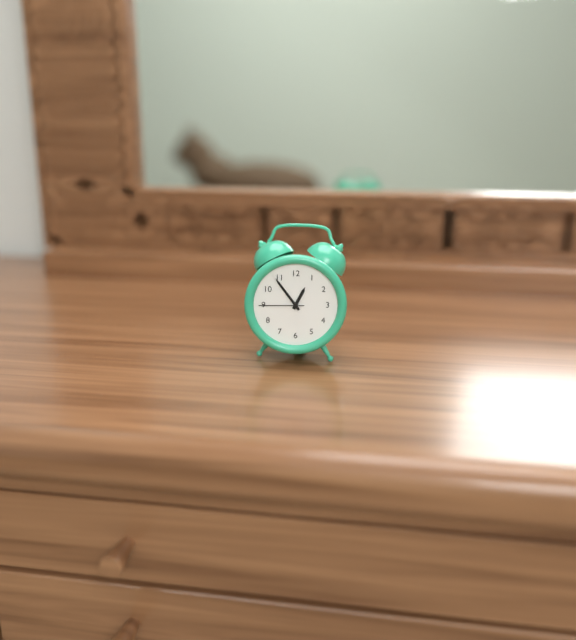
h=12 m=54
